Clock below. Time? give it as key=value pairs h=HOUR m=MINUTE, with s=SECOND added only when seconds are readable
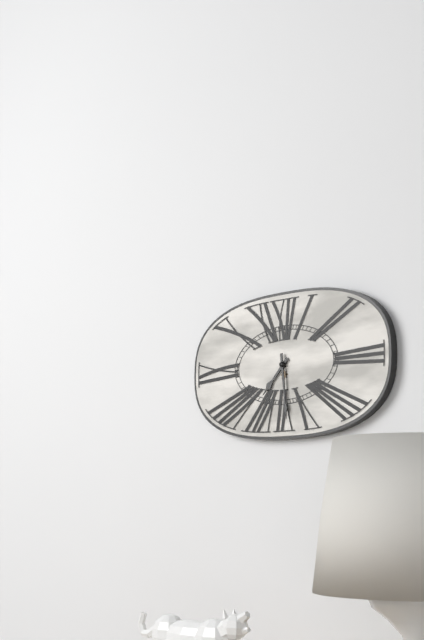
h=7 m=29
